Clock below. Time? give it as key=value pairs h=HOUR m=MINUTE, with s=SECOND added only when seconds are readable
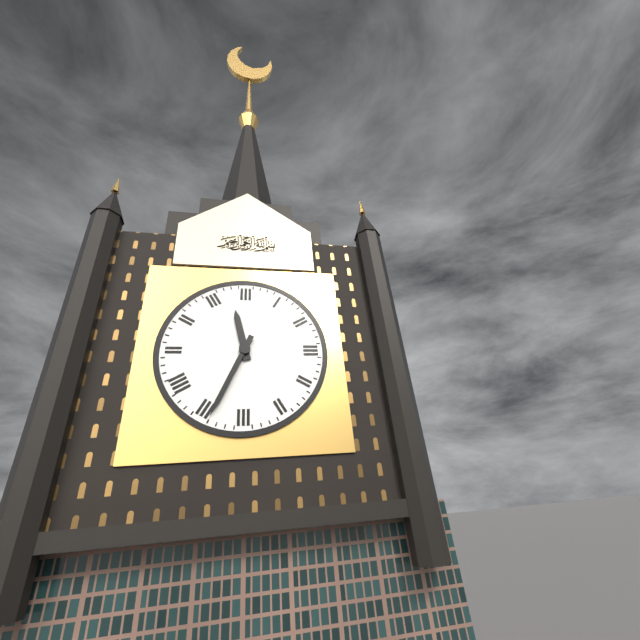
h=11 m=34
